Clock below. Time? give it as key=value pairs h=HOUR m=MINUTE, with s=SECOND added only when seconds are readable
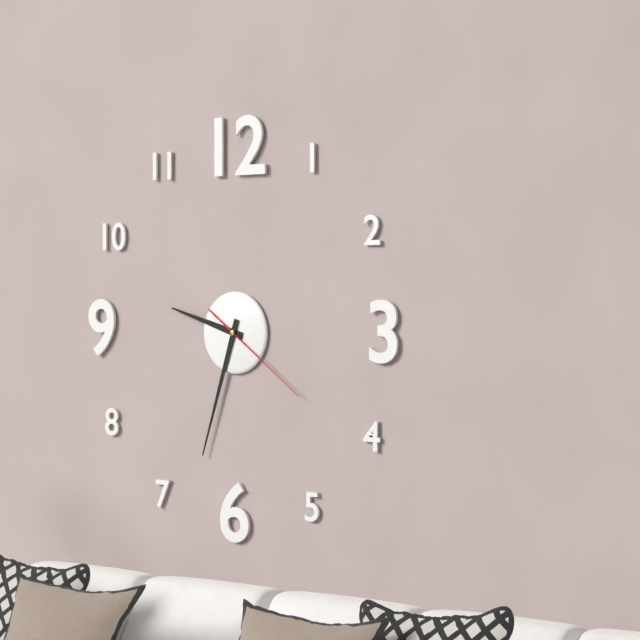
h=9 m=33 s=21
